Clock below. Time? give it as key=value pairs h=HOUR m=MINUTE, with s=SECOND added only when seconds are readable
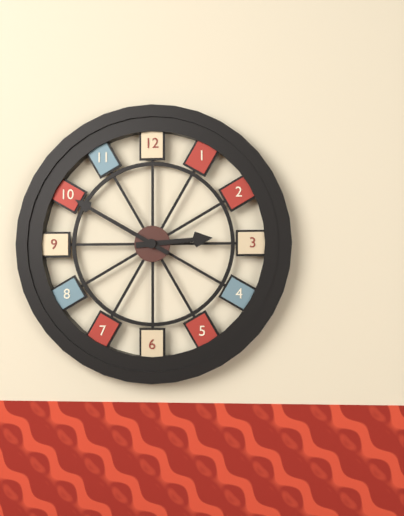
h=2 m=50
